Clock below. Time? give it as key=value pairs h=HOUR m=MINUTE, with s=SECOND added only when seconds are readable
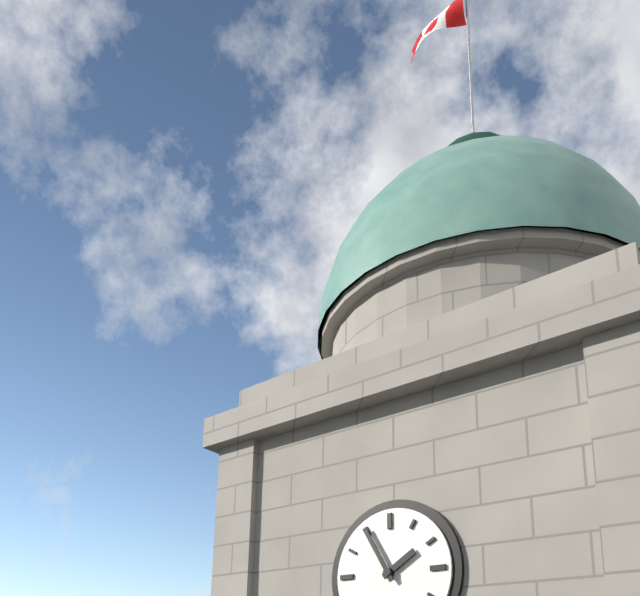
h=1 m=55
